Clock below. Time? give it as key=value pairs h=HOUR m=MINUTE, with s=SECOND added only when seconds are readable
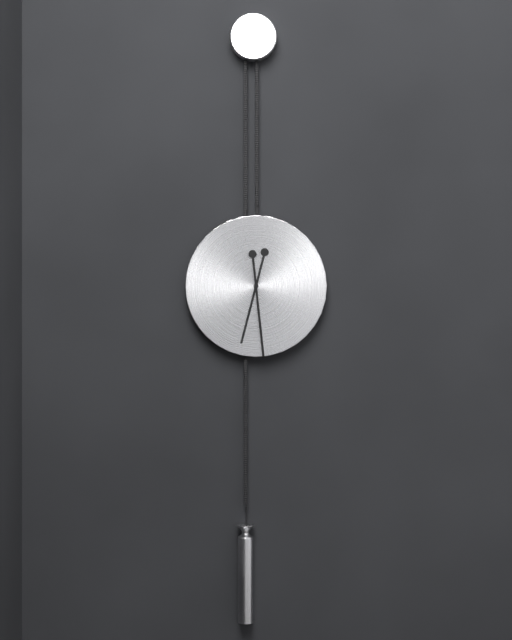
h=6 m=29
